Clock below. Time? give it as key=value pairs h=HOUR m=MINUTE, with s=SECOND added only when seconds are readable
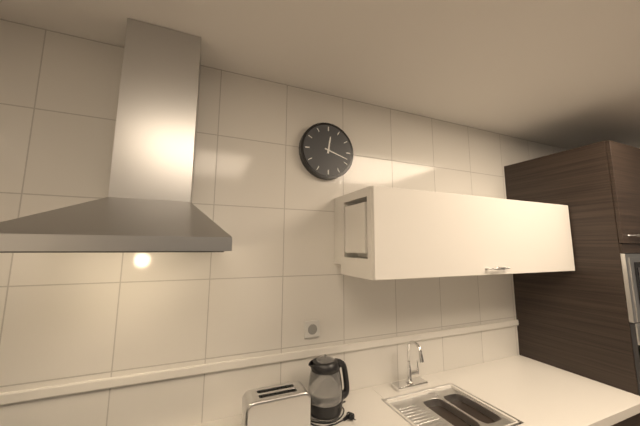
h=12 m=18
